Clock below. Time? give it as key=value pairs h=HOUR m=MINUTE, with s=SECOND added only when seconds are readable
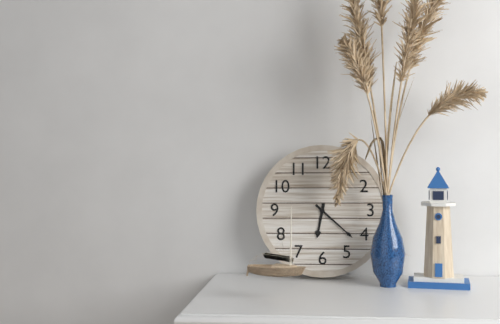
h=6 m=22
